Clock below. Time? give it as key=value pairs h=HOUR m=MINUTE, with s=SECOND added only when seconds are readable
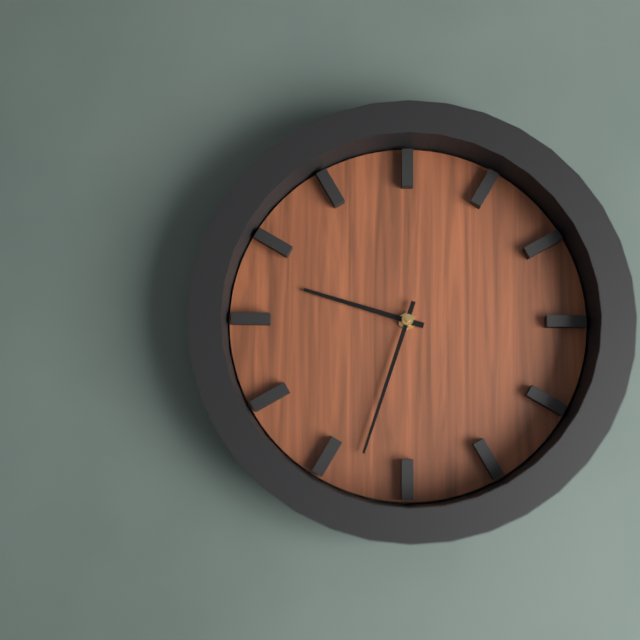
h=9 m=33
